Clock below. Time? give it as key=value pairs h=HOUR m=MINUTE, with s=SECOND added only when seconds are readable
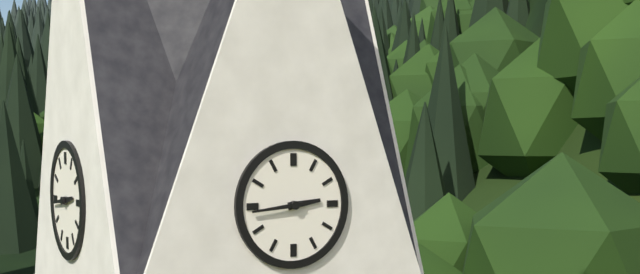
h=2 m=44
